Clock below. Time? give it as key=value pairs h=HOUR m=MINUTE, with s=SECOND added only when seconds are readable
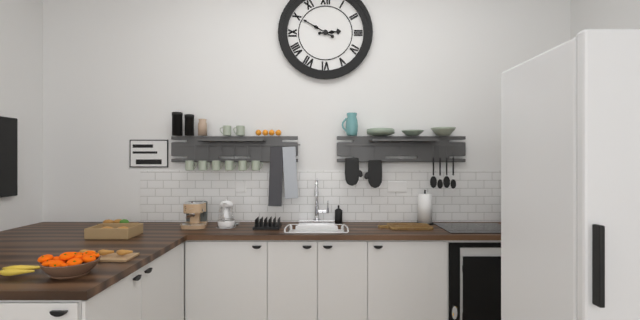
h=2 m=50
